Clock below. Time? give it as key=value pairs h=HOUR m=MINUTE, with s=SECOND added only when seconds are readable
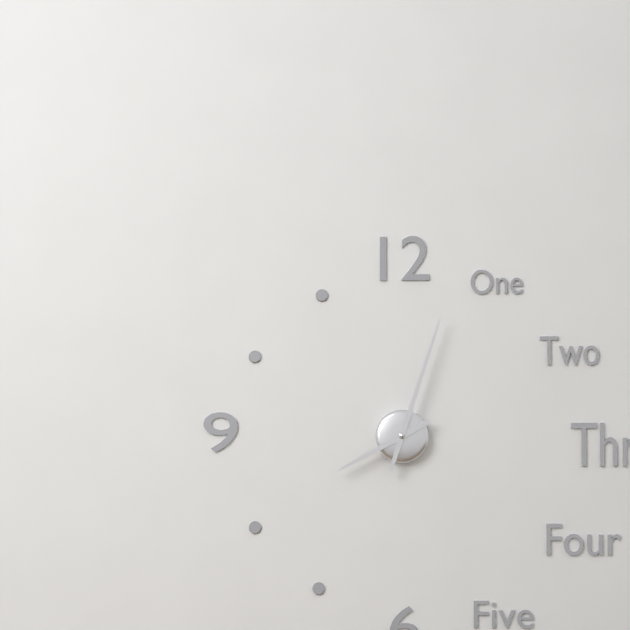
h=8 m=3
